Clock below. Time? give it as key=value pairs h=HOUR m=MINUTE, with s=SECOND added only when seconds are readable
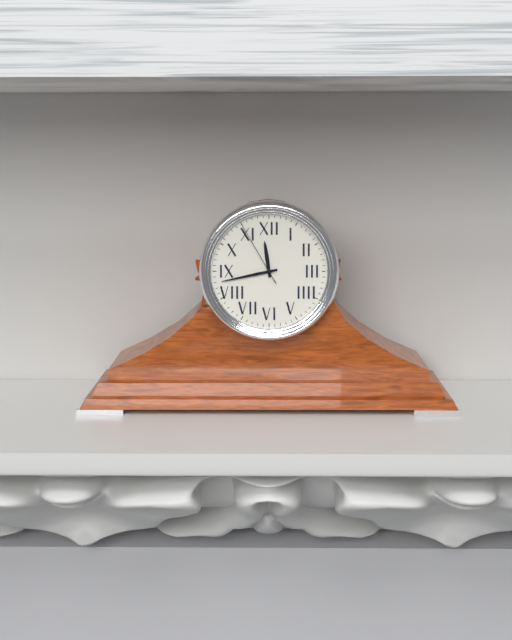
h=11 m=43 s=55
